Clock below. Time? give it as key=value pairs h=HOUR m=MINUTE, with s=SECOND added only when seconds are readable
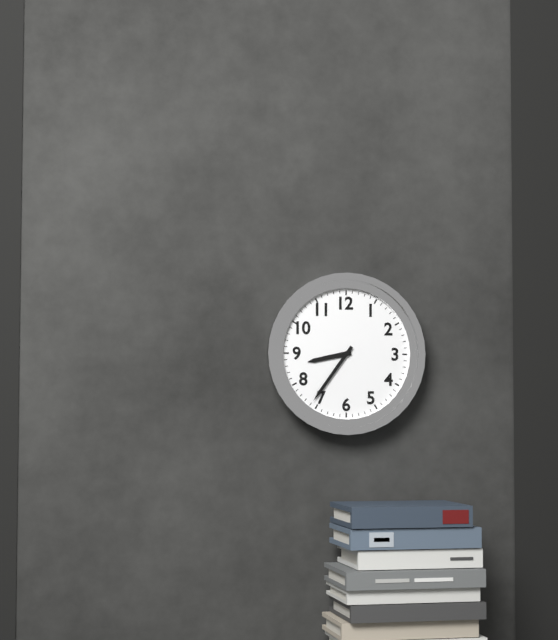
h=8 m=36
